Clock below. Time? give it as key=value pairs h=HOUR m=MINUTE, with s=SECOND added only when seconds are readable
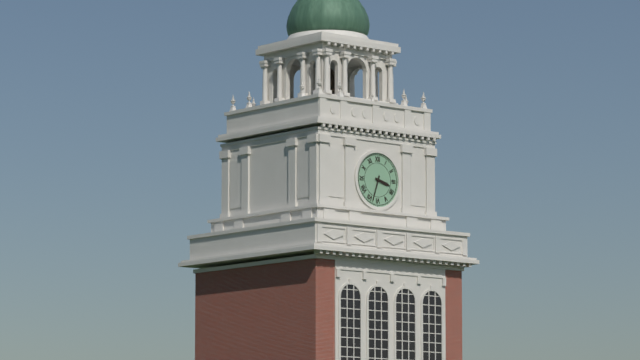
h=3 m=33
